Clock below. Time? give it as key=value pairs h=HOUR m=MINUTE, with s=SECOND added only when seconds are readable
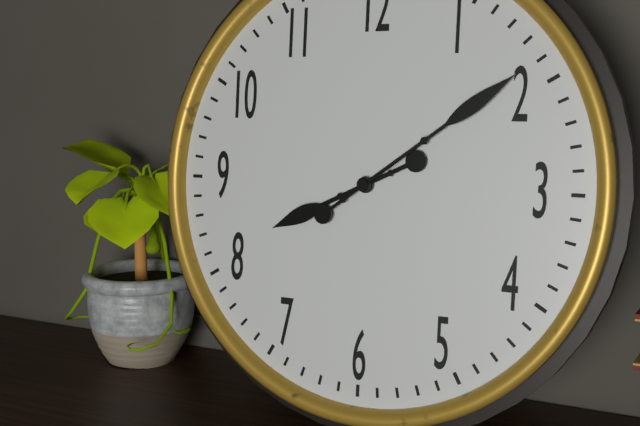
h=8 m=9
